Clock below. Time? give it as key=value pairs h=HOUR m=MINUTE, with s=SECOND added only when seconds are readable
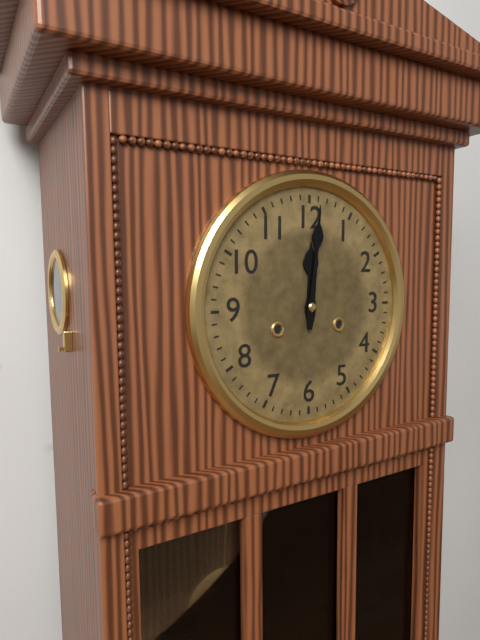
h=12 m=1
